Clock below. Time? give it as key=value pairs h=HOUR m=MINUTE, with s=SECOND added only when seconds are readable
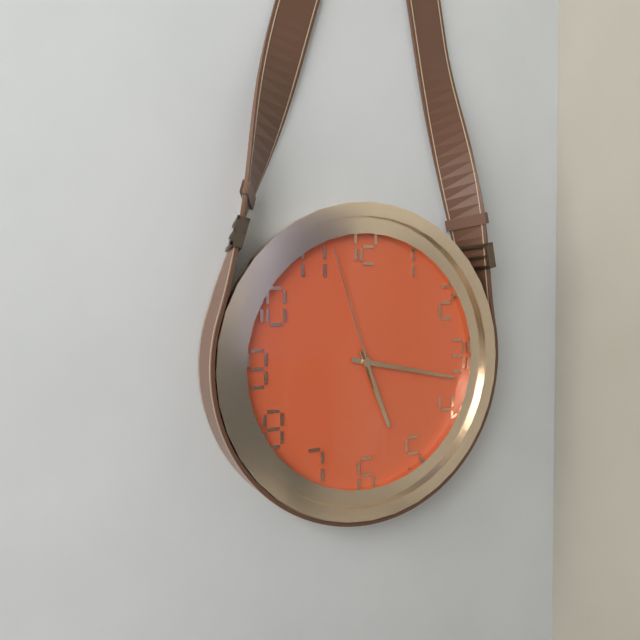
h=5 m=17 s=57
